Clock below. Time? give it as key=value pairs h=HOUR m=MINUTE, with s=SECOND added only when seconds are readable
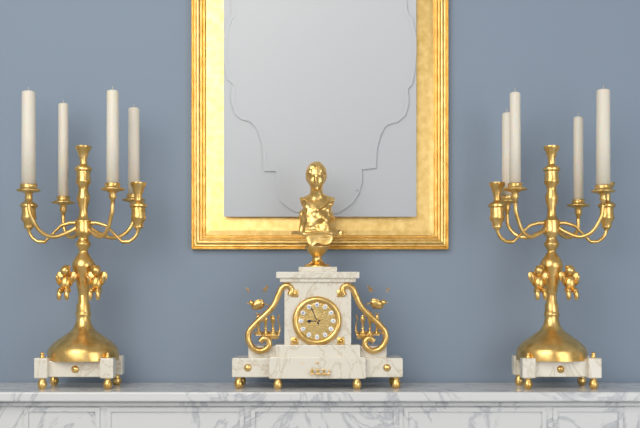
h=8 m=56
